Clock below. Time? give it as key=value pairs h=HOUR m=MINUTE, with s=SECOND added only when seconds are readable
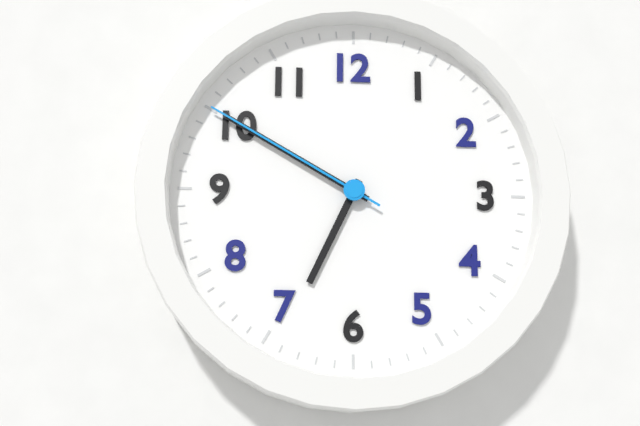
h=6 m=50 s=50
